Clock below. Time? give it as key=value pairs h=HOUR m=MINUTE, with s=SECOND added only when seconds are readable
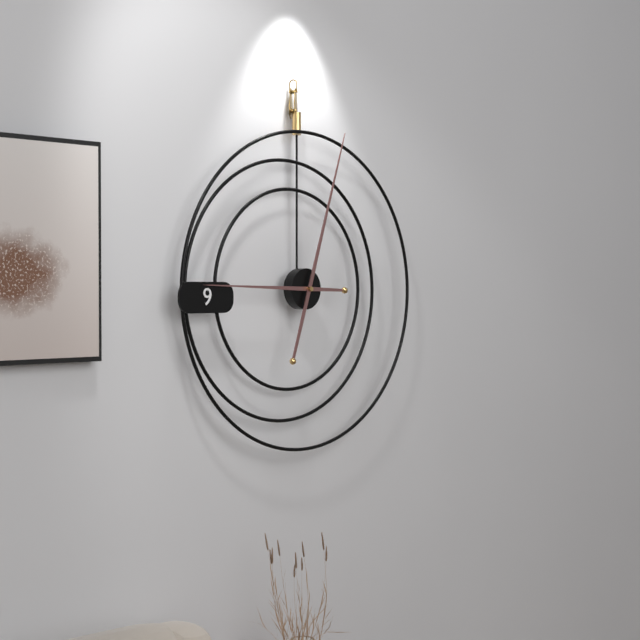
h=9 m=3
